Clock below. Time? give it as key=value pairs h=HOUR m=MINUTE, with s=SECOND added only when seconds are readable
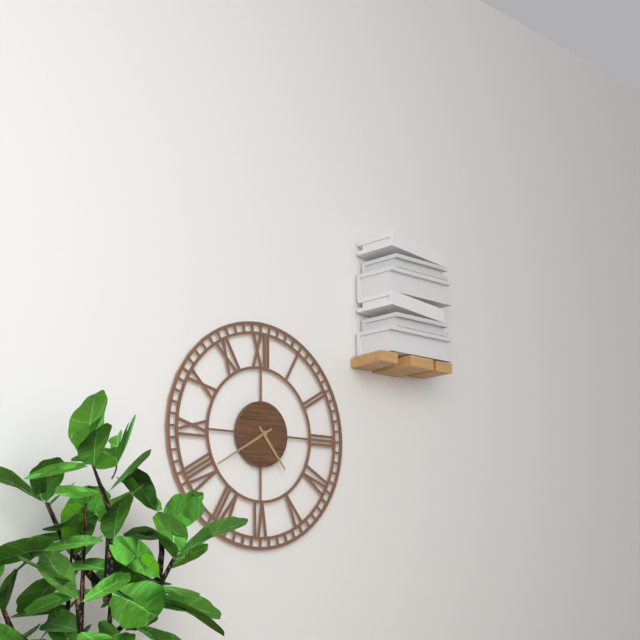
h=4 m=40
